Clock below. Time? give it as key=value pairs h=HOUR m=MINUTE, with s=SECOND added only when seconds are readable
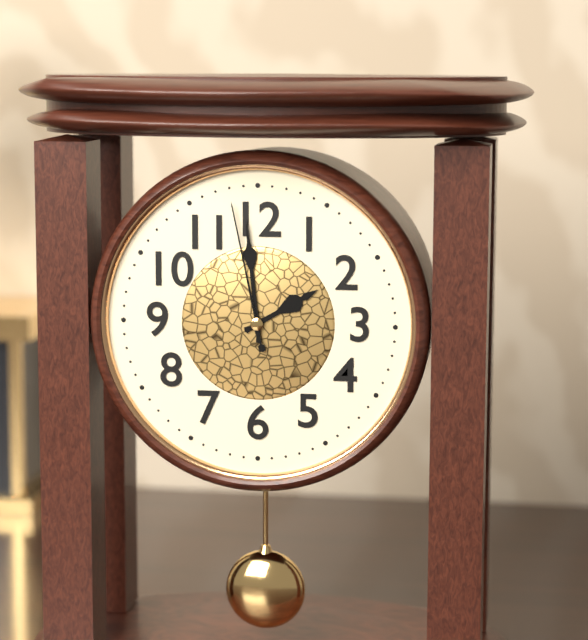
h=1 m=59 s=58
